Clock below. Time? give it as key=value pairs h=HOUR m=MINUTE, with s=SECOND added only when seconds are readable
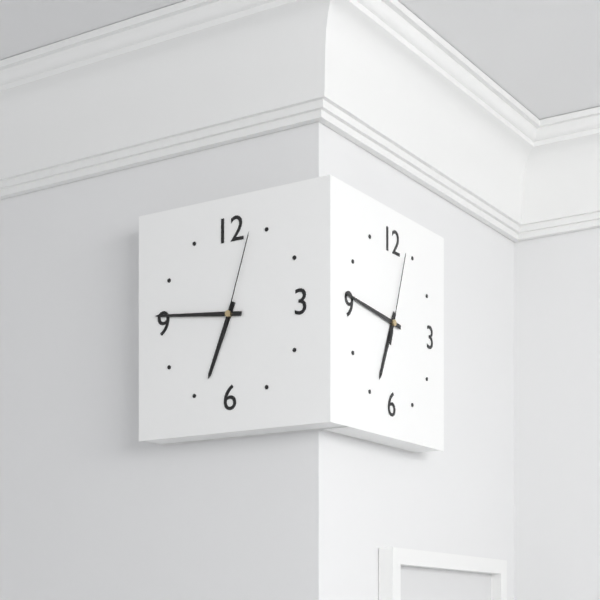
h=6 m=46 s=3
